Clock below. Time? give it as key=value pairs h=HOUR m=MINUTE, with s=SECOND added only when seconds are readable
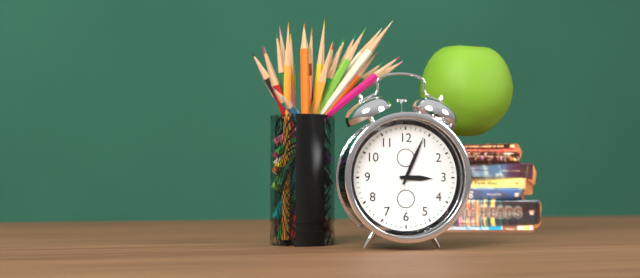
h=3 m=4
